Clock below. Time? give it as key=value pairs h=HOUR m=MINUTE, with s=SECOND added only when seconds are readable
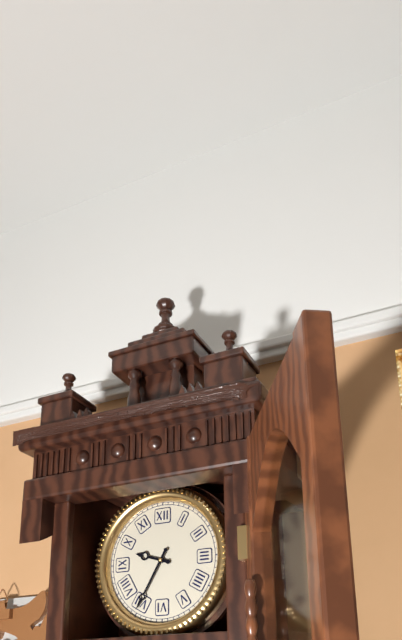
h=9 m=35
